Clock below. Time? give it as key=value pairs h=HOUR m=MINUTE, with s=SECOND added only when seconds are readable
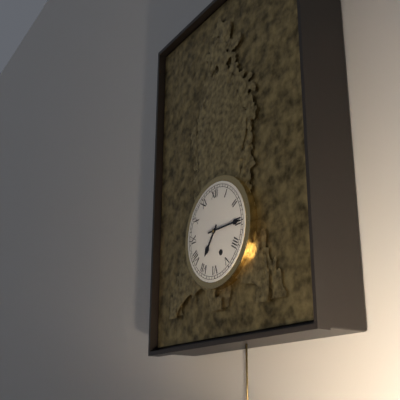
h=7 m=15
